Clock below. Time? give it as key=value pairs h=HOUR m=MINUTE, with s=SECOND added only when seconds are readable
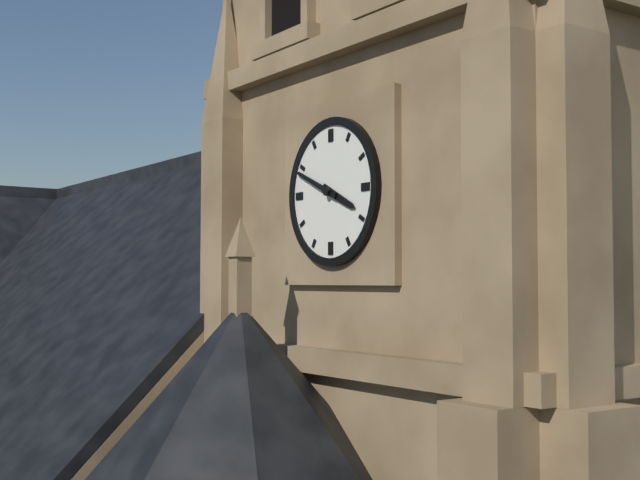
h=3 m=49
